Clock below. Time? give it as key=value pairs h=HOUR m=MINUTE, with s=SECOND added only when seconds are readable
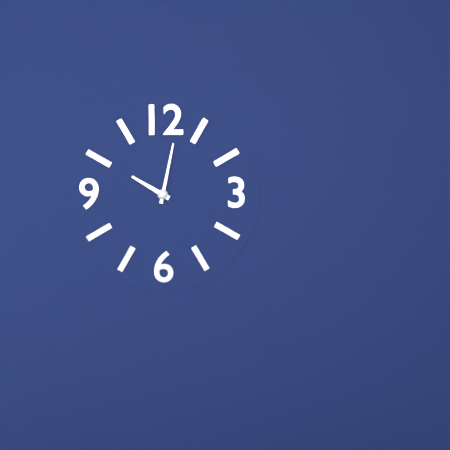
h=10 m=2
